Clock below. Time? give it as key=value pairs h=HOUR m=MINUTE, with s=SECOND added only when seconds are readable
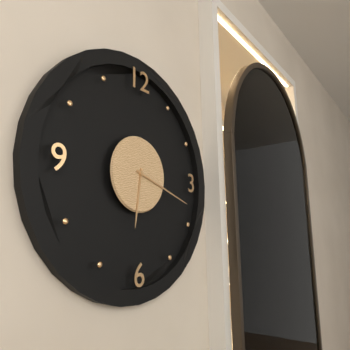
h=6 m=18
